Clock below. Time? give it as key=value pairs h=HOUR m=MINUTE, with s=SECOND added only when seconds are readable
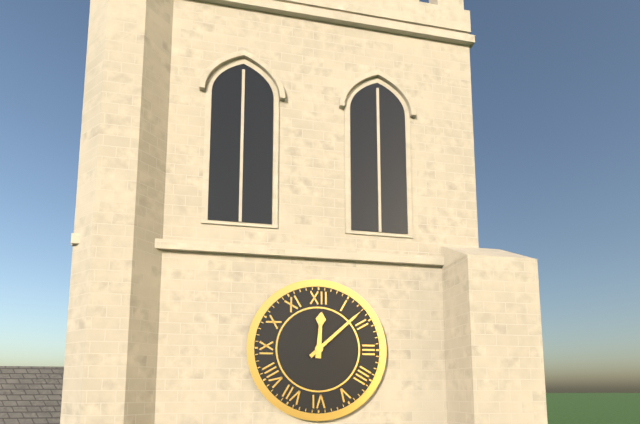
h=12 m=8
